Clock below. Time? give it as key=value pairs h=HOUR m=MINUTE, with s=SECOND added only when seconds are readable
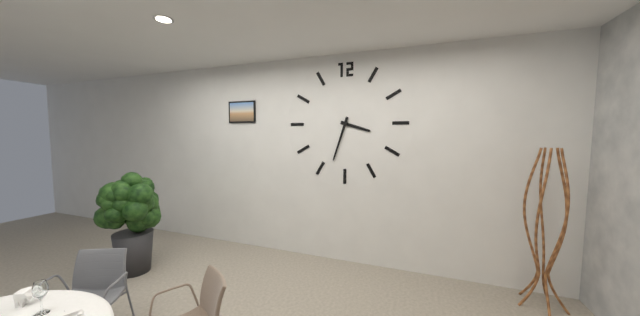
h=3 m=33
